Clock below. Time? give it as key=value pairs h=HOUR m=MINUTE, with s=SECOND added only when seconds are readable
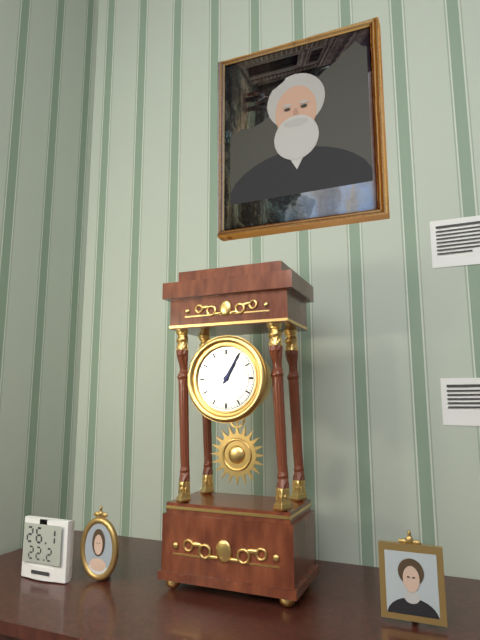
h=1 m=5
